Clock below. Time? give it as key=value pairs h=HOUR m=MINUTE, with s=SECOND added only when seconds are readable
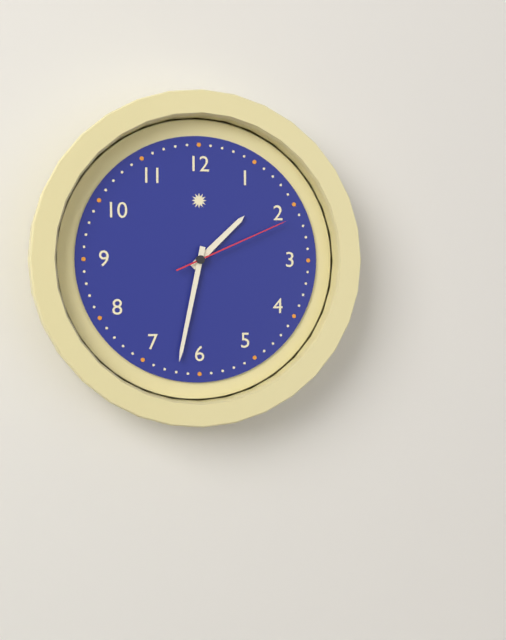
h=1 m=32 s=11
